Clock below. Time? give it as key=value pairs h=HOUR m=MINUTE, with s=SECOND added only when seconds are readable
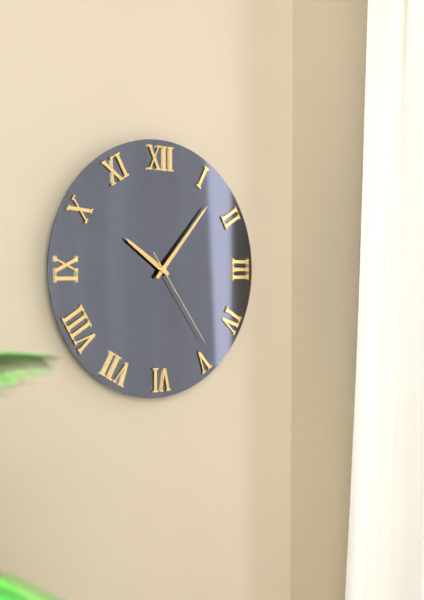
h=10 m=7 s=24
